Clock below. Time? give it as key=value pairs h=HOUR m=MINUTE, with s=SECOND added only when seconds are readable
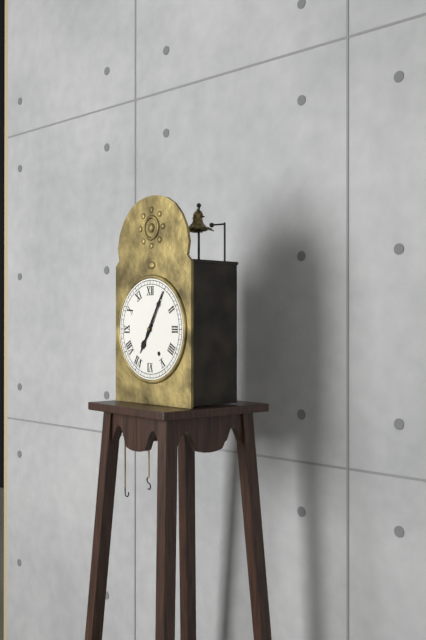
h=7 m=5
